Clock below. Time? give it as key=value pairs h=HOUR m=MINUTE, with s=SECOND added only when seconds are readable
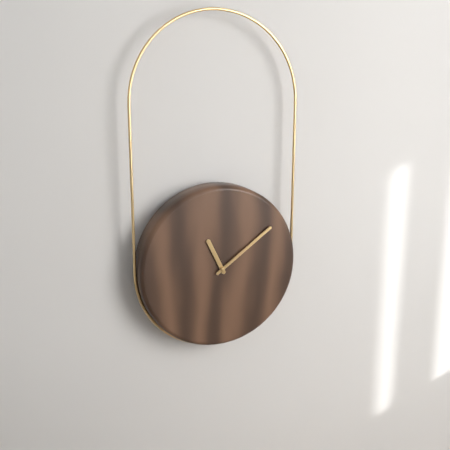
h=11 m=9
